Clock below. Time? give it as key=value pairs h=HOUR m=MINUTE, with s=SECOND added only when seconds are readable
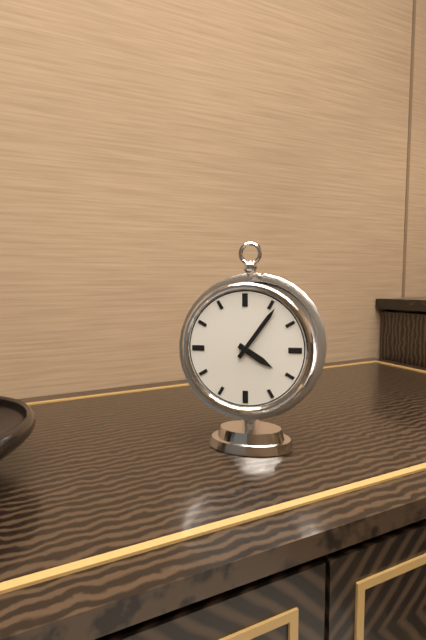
h=4 m=6
